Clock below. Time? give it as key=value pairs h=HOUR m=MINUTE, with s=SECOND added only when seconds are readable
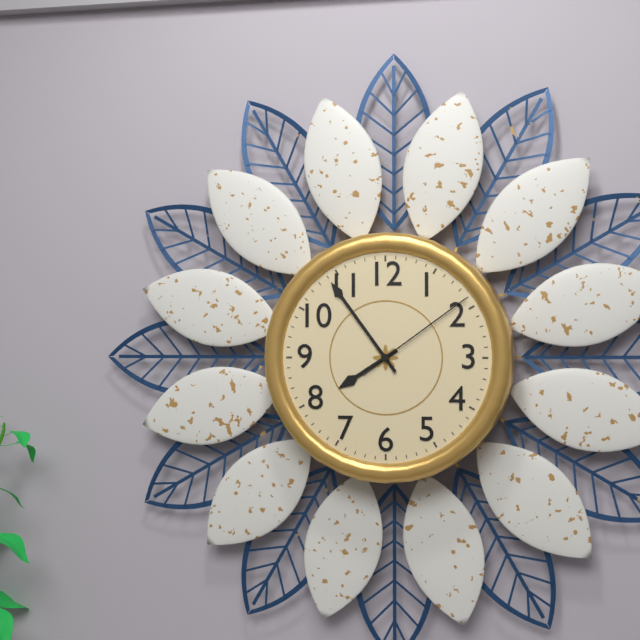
h=7 m=54 s=9
